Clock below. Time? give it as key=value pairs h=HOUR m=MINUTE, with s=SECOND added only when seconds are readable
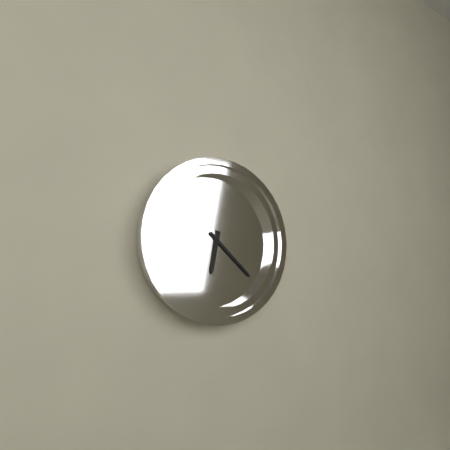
h=6 m=22
